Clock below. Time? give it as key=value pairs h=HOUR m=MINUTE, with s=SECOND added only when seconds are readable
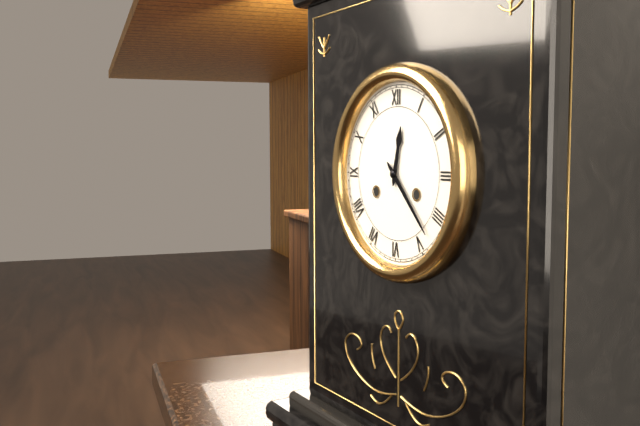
h=12 m=23
